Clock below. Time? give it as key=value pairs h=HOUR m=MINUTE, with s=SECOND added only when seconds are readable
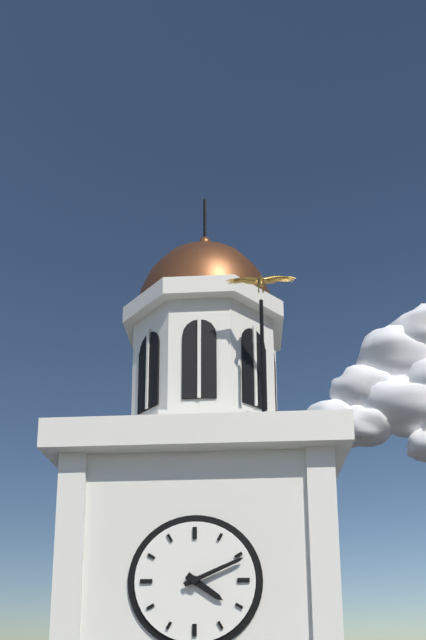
h=4 m=11
